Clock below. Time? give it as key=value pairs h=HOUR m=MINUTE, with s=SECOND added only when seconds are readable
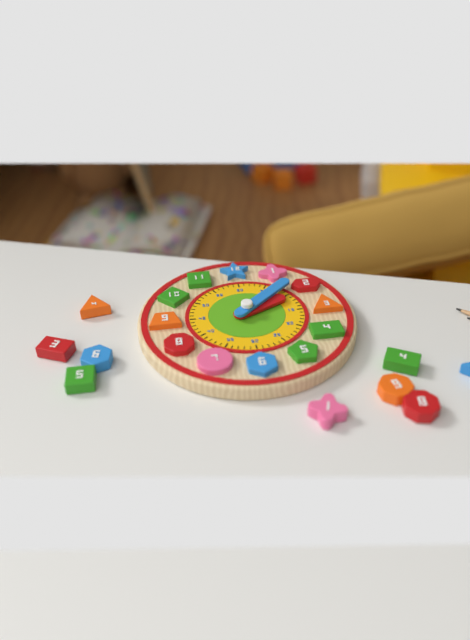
h=2 m=8
